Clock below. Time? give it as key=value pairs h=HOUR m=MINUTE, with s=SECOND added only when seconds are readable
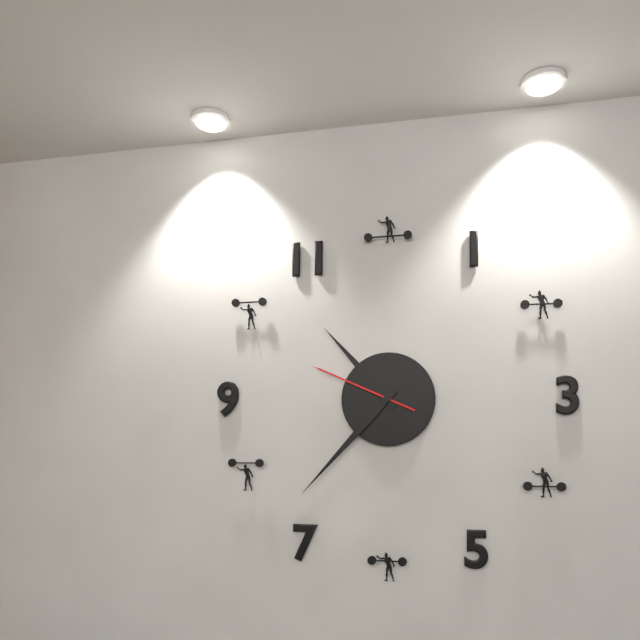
h=10 m=37 s=49
